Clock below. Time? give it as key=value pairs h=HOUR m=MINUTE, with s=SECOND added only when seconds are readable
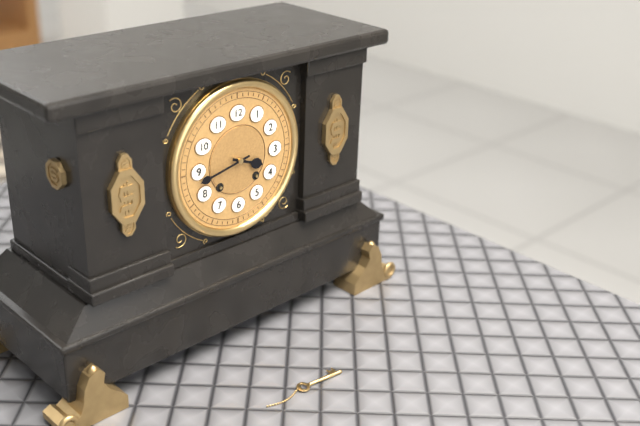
h=3 m=43
